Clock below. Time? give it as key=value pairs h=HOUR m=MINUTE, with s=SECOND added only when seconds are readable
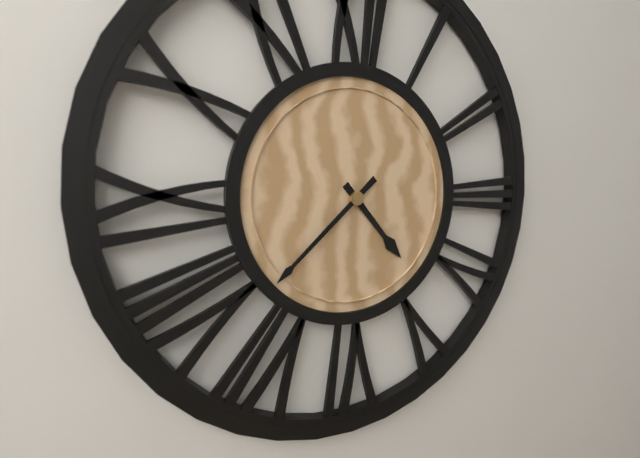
h=4 m=38
